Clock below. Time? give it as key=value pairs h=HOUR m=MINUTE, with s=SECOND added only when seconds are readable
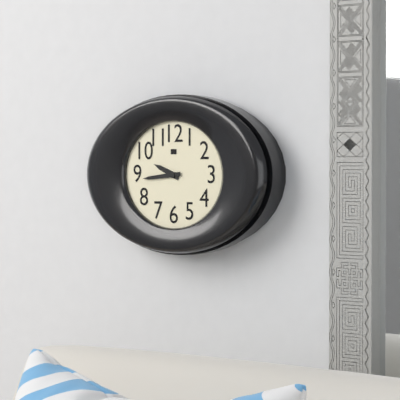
h=9 m=44
